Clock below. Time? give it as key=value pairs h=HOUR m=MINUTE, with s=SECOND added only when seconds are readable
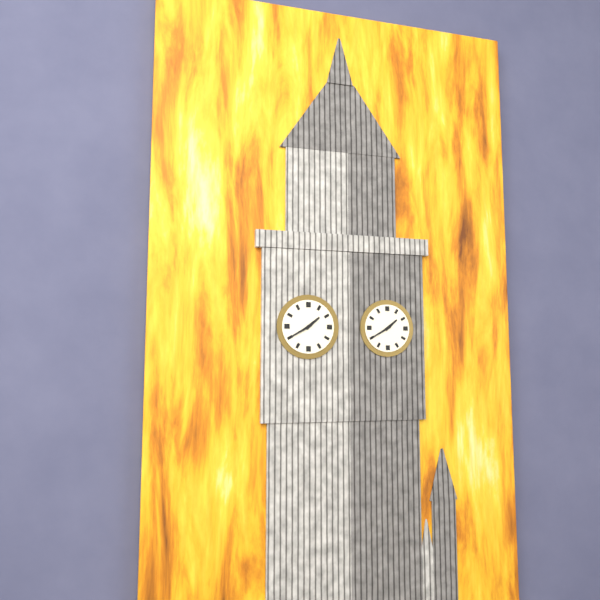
h=1 m=40
